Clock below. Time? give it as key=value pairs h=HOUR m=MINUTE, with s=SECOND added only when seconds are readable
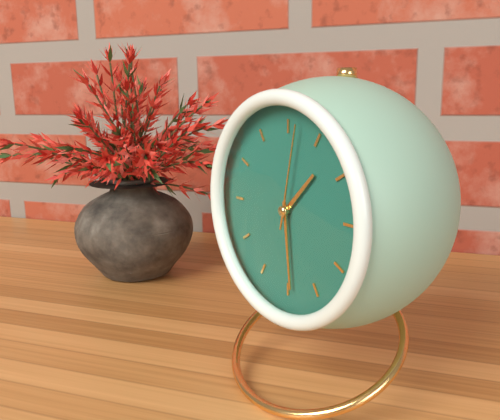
h=1 m=29 s=2
